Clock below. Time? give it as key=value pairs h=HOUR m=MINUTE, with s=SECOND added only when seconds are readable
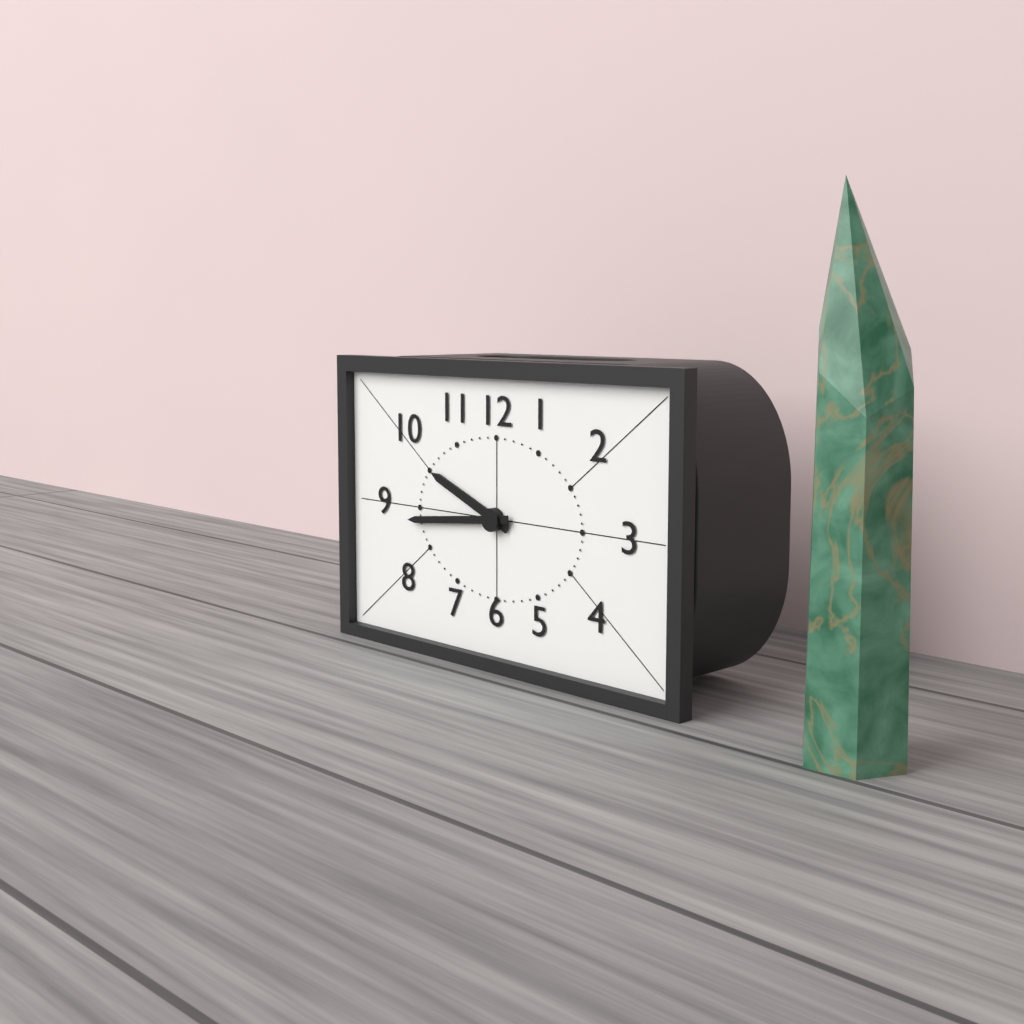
h=9 m=44
